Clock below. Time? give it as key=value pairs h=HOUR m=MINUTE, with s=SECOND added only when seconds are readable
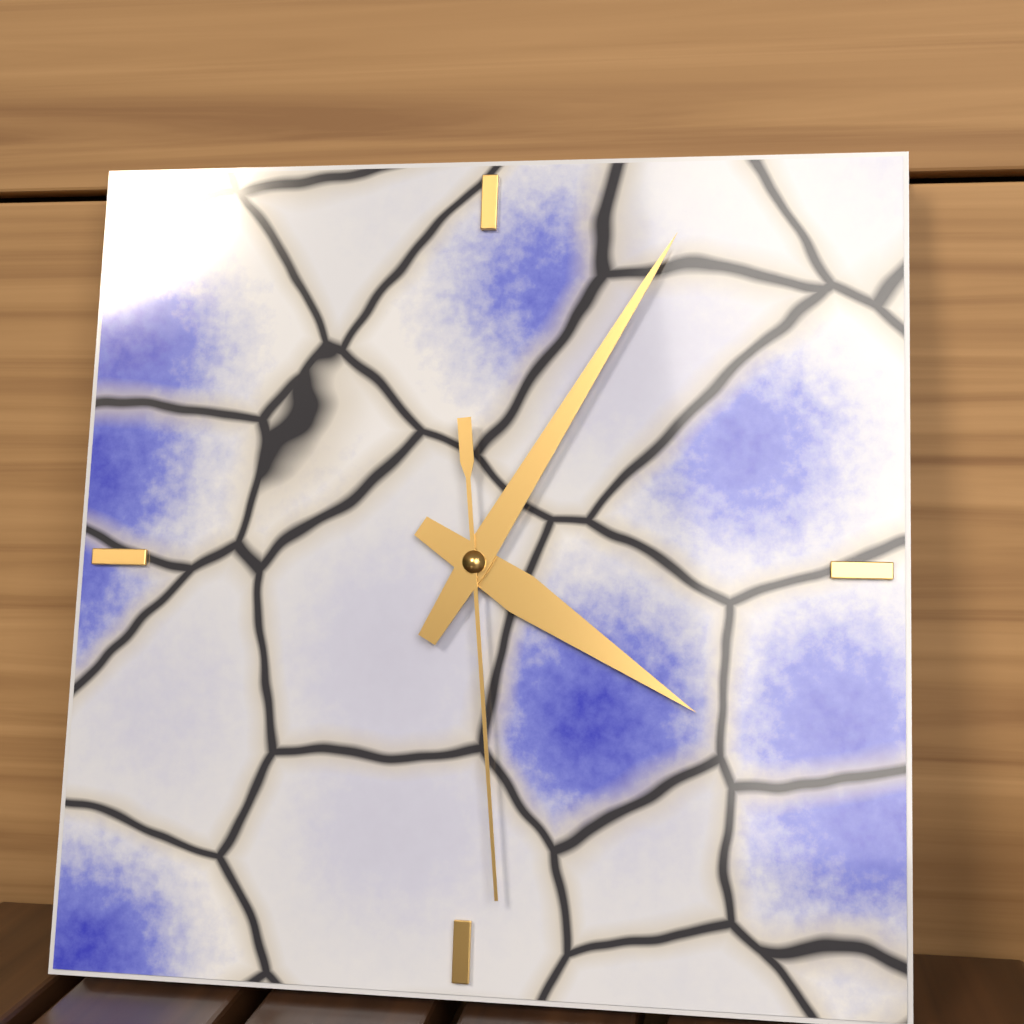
h=4 m=5 s=29
